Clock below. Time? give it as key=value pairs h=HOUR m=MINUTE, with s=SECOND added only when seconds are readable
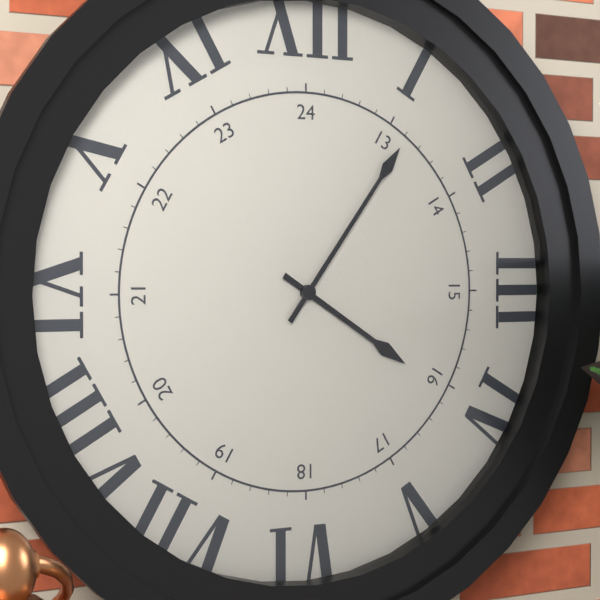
h=4 m=6
